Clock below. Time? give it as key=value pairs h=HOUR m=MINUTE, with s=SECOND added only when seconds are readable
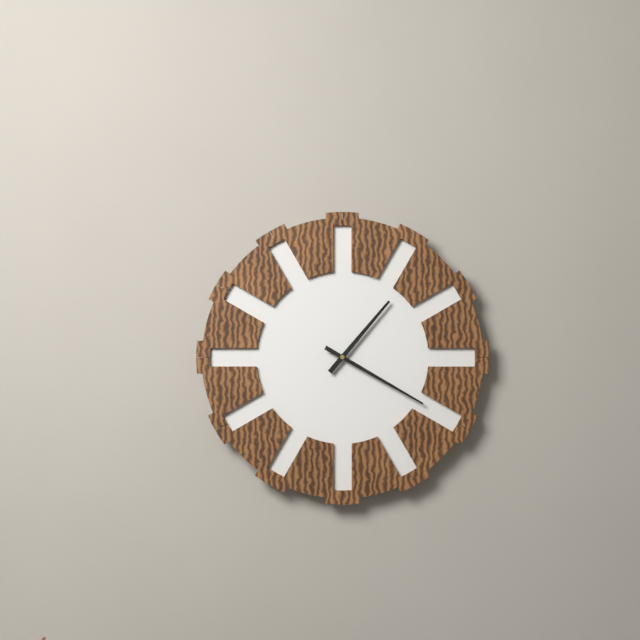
h=1 m=20
